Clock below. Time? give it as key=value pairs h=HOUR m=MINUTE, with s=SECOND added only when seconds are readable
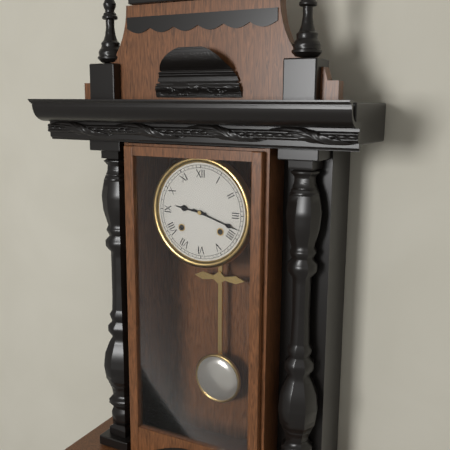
h=9 m=18
